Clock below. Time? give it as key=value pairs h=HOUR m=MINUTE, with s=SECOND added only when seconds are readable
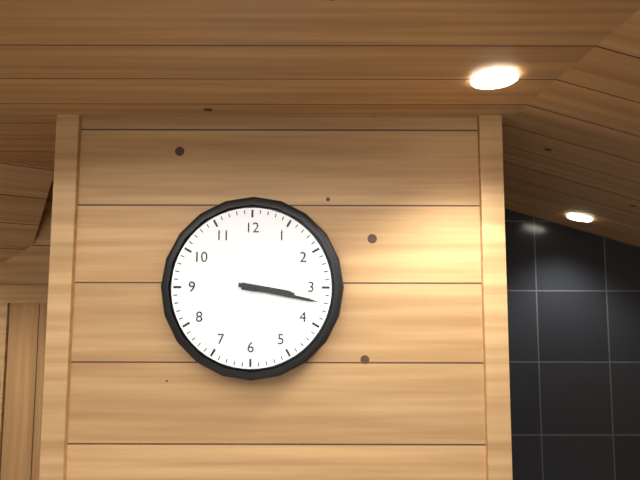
h=3 m=17
